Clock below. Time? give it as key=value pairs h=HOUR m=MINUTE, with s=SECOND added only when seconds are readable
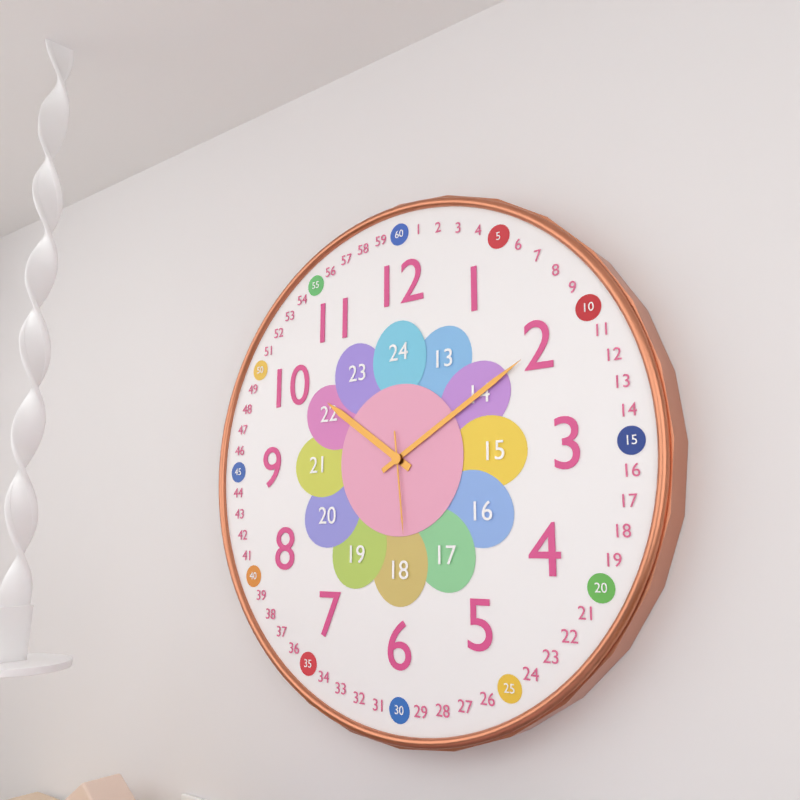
h=10 m=10 s=29
